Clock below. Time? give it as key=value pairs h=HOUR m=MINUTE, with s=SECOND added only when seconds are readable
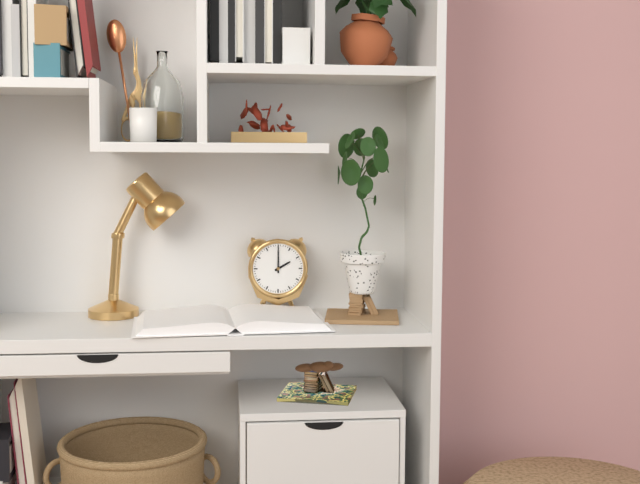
h=2 m=0
